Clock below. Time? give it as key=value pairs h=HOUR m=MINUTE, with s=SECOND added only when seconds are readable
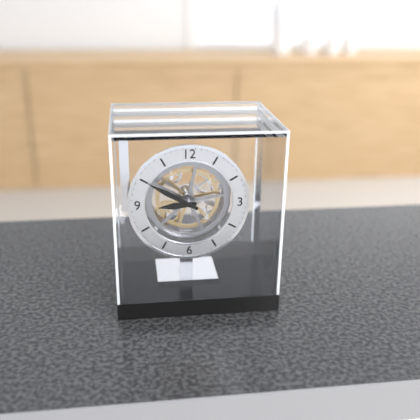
h=8 m=50
